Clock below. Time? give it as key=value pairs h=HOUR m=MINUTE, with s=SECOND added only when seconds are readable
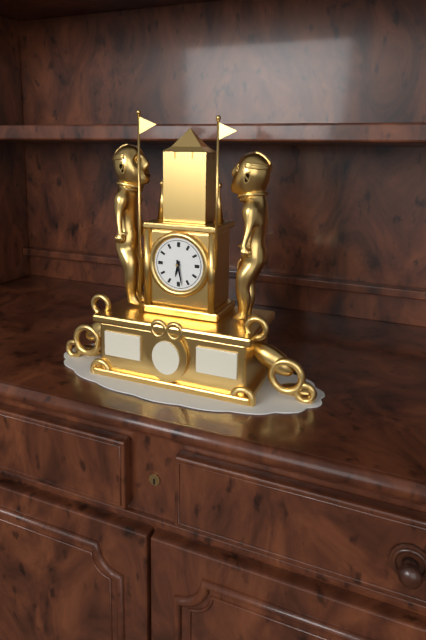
h=6 m=28
